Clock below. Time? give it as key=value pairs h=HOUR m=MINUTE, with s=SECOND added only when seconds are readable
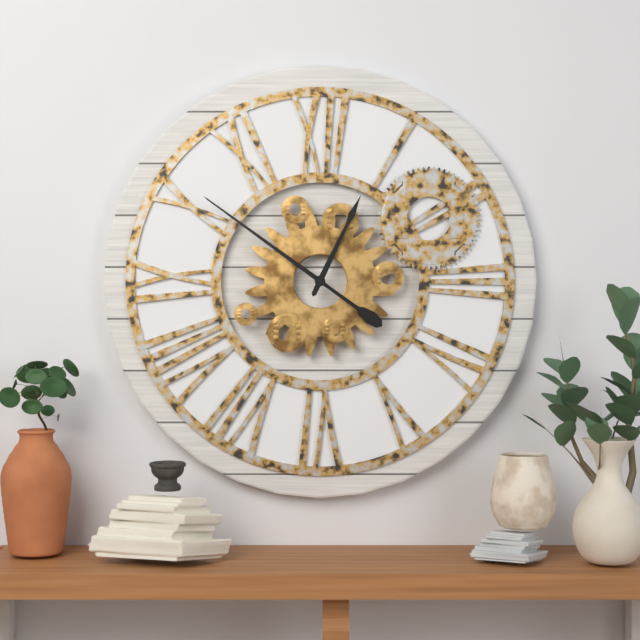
h=12 m=51
